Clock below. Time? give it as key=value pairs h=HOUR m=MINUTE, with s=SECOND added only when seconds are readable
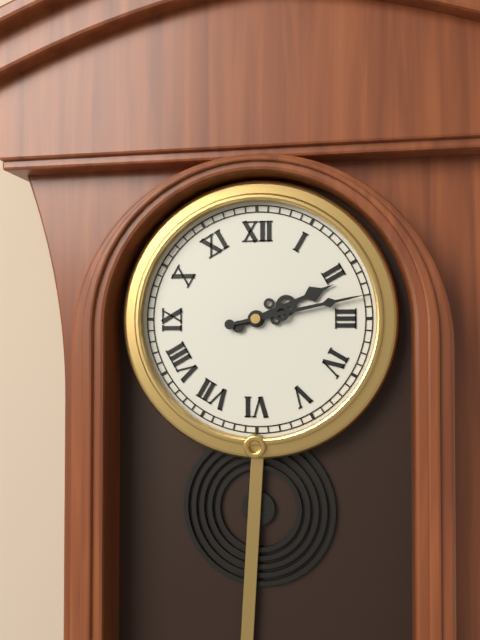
h=2 m=13
